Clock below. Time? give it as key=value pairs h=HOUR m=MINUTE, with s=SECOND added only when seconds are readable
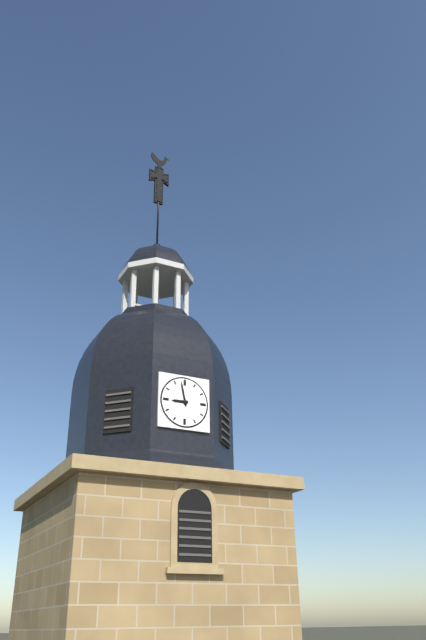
h=8 m=58
